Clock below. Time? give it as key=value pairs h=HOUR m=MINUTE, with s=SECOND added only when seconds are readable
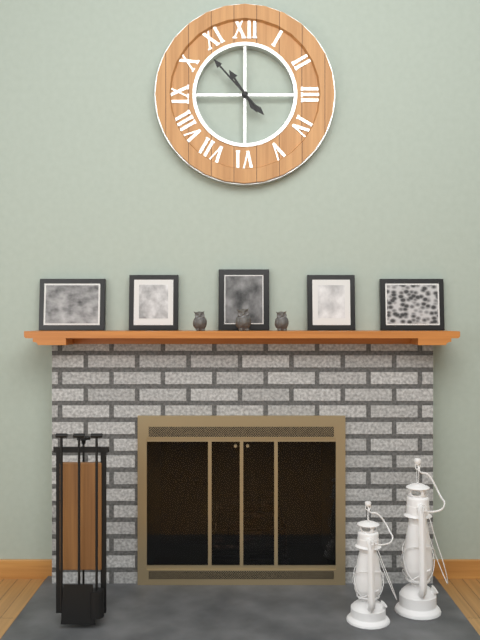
h=10 m=53
